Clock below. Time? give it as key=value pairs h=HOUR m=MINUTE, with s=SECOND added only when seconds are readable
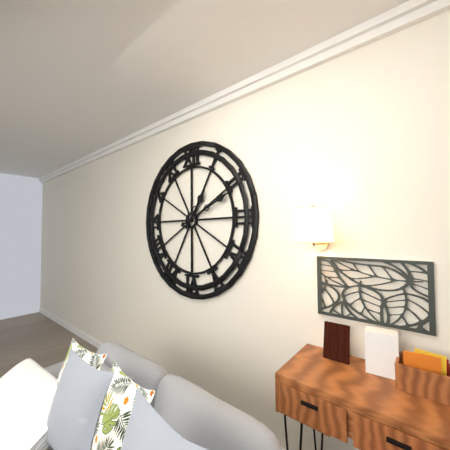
h=1 m=11
